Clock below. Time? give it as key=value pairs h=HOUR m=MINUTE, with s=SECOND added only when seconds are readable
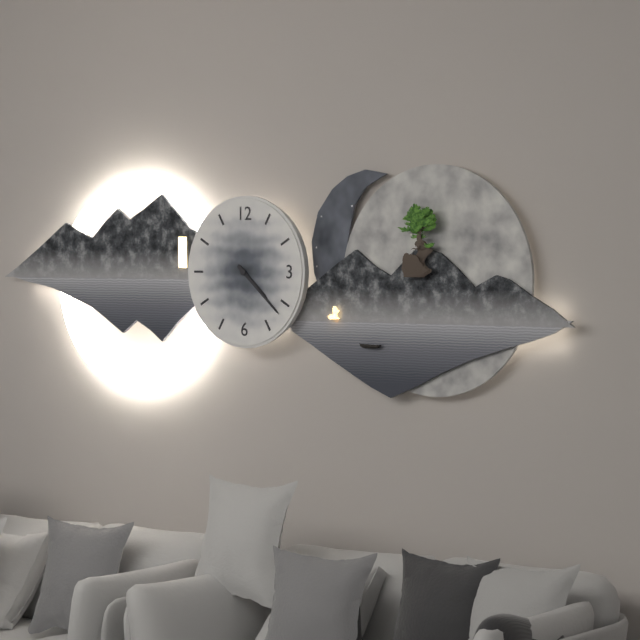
h=4 m=22
